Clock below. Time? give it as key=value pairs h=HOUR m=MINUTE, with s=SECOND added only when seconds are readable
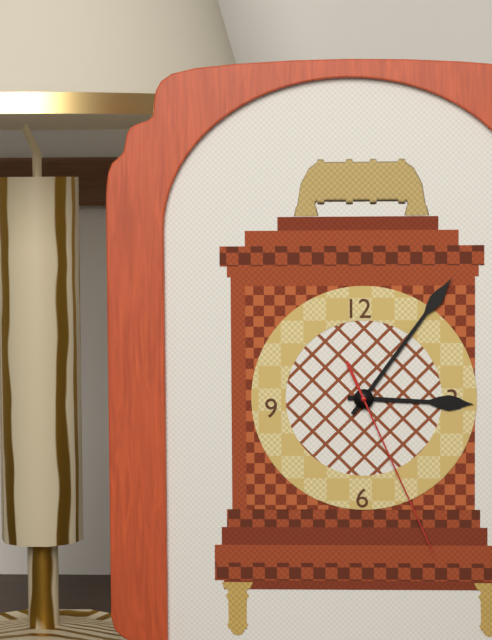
h=3 m=6 s=26
